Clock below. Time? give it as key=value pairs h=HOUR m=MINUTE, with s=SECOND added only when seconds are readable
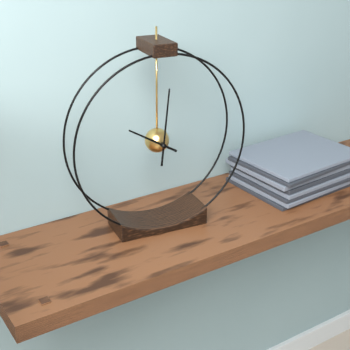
h=10 m=1
